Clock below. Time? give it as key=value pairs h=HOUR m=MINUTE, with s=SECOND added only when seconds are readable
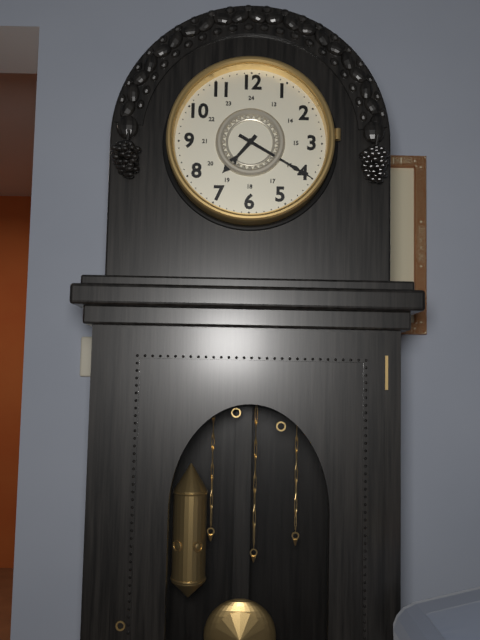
h=7 m=20
